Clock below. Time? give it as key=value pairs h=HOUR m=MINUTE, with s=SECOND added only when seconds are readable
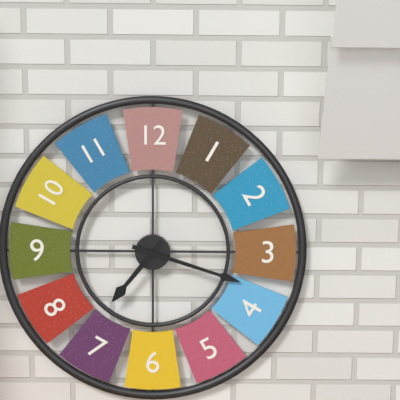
h=7 m=18
